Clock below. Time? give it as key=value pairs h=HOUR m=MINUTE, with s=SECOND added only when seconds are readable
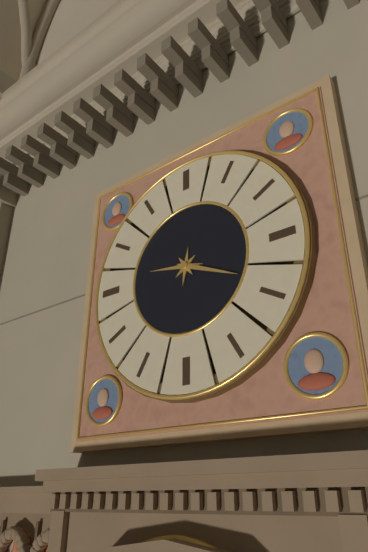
h=9 m=19
